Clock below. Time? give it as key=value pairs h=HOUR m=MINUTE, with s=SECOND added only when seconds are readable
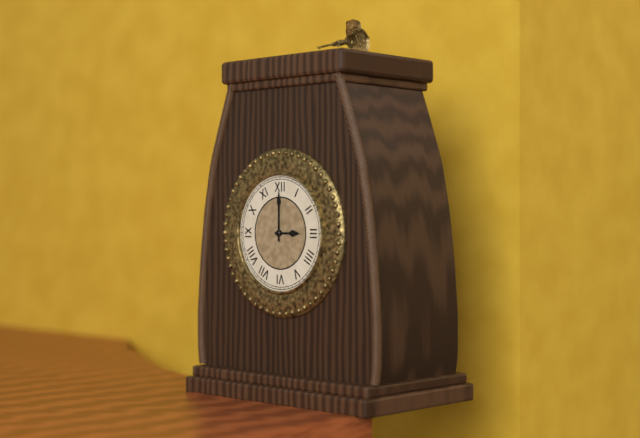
h=3 m=0
